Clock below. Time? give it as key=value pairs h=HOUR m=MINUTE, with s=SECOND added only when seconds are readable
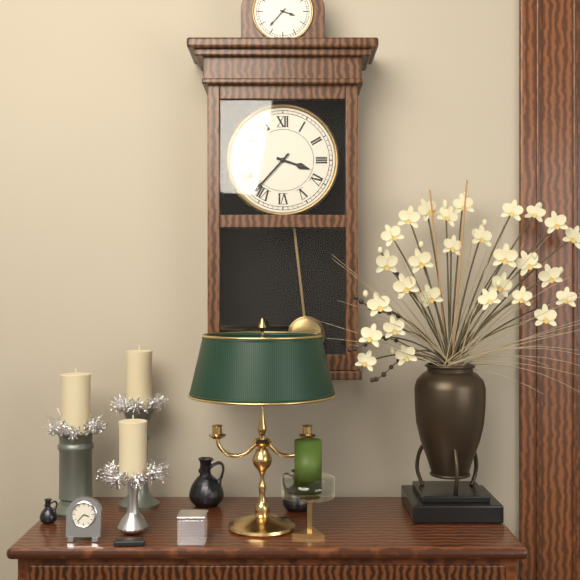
h=3 m=37
